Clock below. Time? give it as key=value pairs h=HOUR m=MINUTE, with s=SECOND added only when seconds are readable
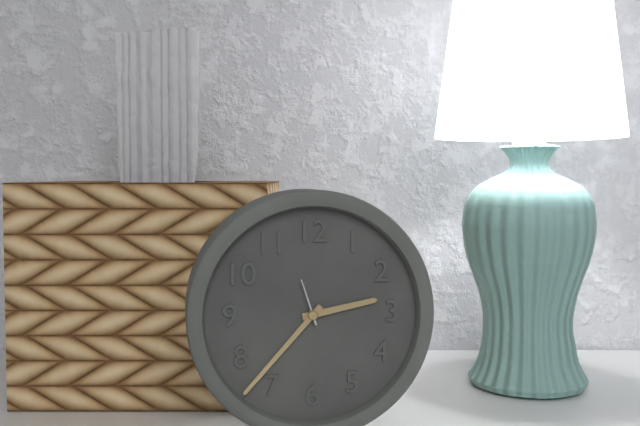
h=2 m=37
